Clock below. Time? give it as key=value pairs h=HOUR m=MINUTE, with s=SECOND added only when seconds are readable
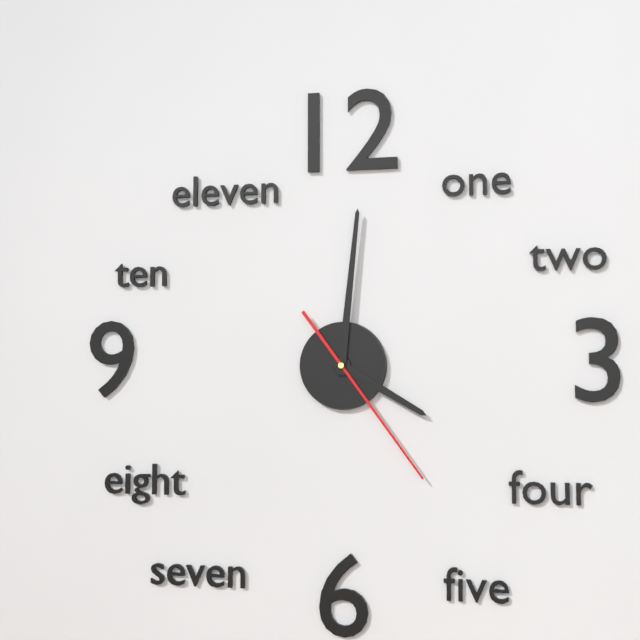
h=4 m=1 s=24
